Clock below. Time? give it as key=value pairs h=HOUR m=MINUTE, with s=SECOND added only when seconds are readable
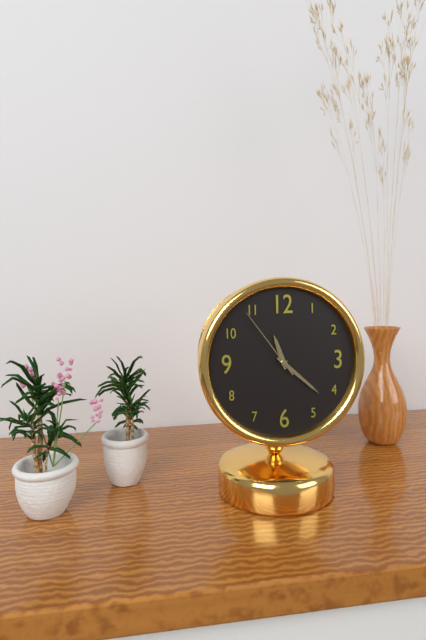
h=11 m=22 s=54
